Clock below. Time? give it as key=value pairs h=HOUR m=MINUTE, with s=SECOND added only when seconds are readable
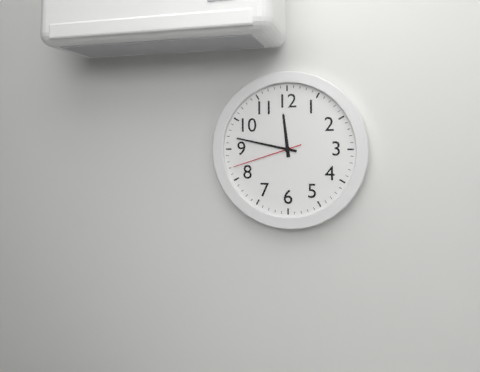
h=11 m=47 s=42
